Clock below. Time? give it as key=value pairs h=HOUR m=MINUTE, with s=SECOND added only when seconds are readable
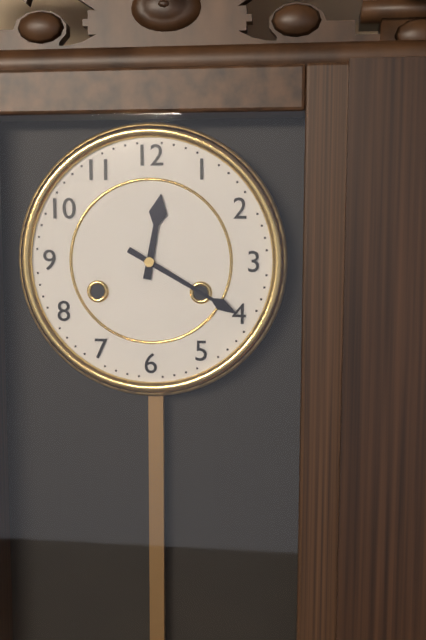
h=12 m=20
